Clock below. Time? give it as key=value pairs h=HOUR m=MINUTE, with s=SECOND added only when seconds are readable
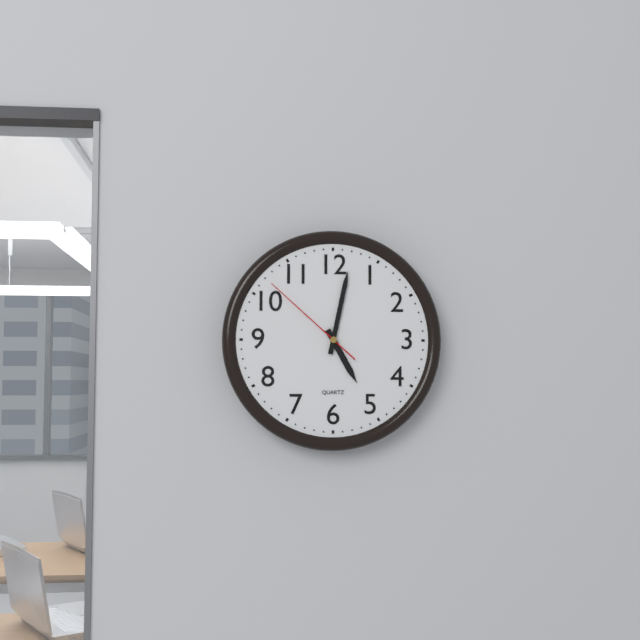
h=5 m=2 s=52
